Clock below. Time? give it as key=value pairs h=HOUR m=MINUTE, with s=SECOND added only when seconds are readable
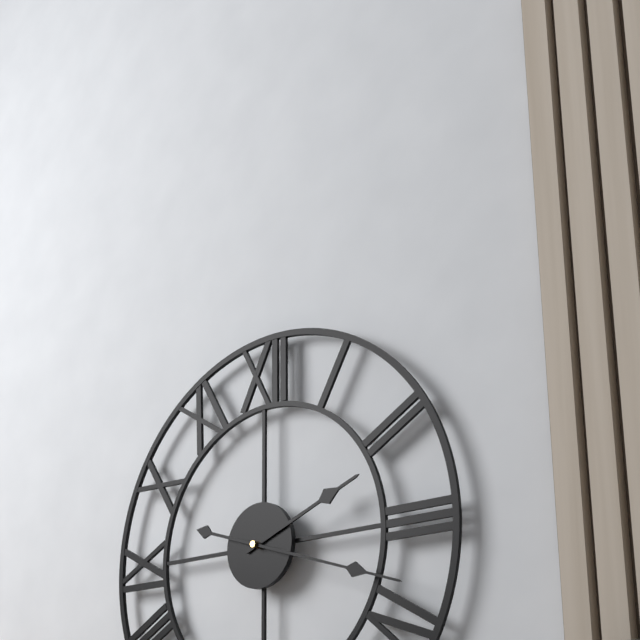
h=2 m=18
